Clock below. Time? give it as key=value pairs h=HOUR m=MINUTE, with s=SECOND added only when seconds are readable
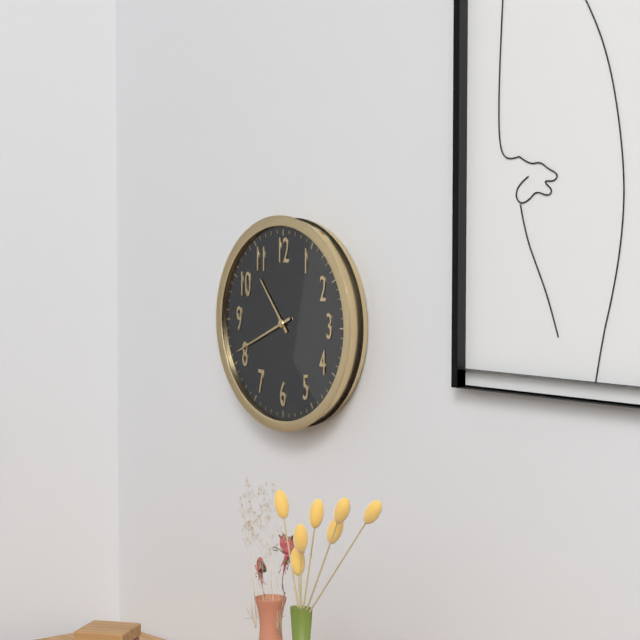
h=10 m=41
